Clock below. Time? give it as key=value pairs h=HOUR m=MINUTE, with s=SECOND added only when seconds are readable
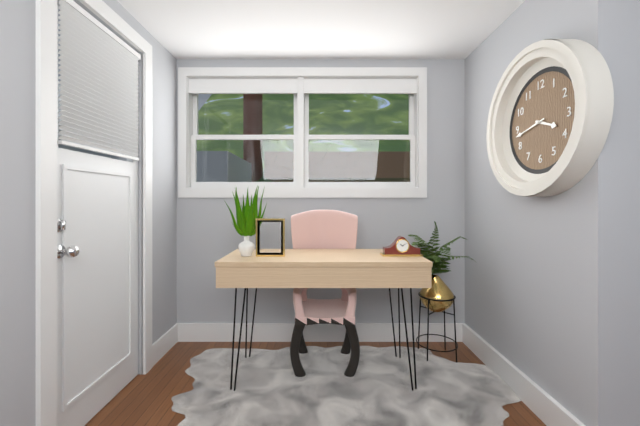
h=3 m=43
